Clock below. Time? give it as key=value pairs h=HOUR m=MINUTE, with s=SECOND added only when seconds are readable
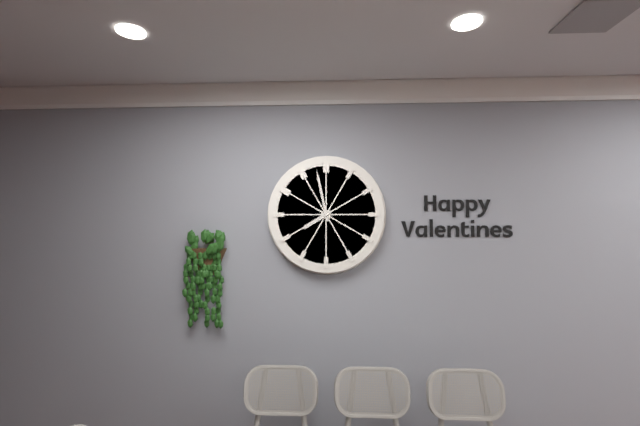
h=7 m=58
